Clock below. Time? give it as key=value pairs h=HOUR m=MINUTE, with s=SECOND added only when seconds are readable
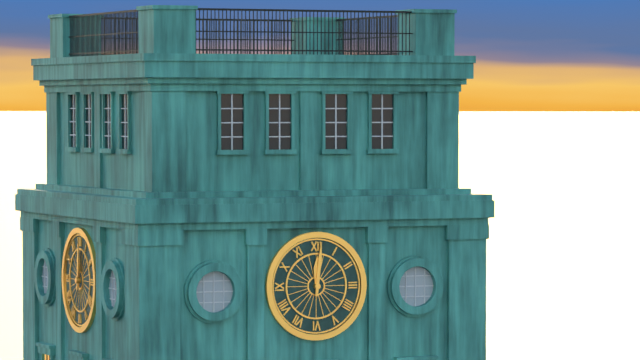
h=12 m=1
